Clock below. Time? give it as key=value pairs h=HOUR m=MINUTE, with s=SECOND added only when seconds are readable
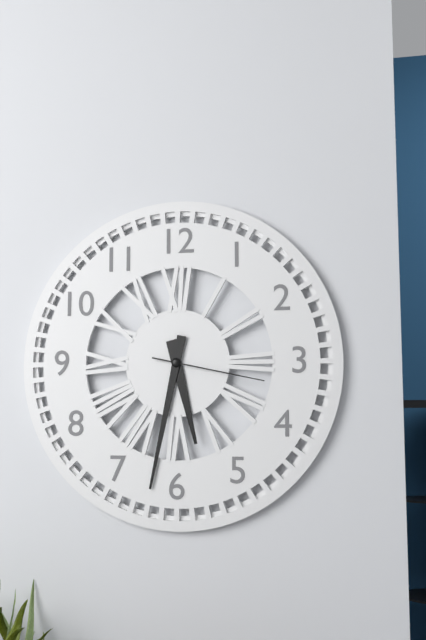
h=5 m=32 s=17
